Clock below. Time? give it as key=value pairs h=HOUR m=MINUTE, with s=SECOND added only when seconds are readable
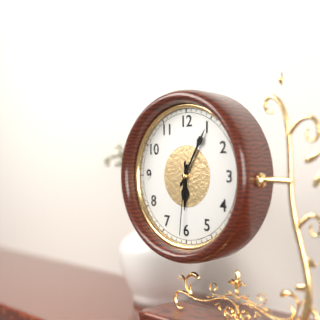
h=6 m=5 s=31
